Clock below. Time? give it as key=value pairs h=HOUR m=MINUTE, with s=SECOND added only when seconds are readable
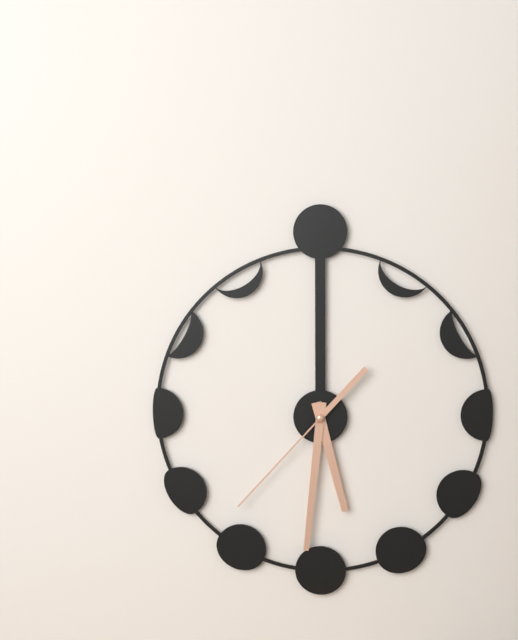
h=5 m=31 s=37
